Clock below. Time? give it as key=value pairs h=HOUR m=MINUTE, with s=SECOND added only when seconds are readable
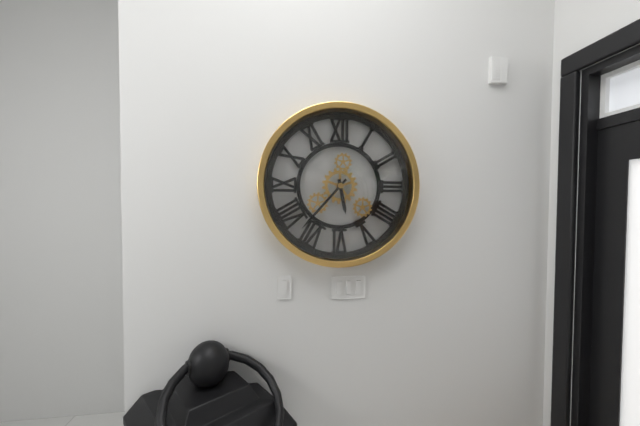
h=5 m=37
